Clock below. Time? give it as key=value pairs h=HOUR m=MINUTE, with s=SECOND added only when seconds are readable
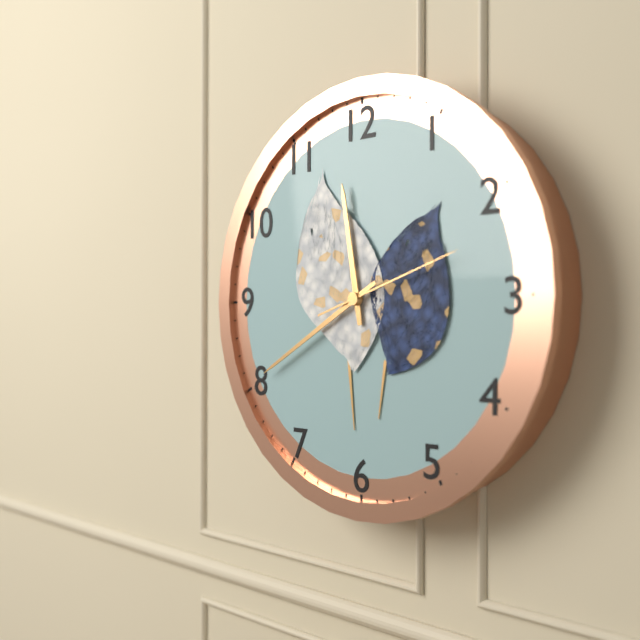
h=11 m=40 s=12
